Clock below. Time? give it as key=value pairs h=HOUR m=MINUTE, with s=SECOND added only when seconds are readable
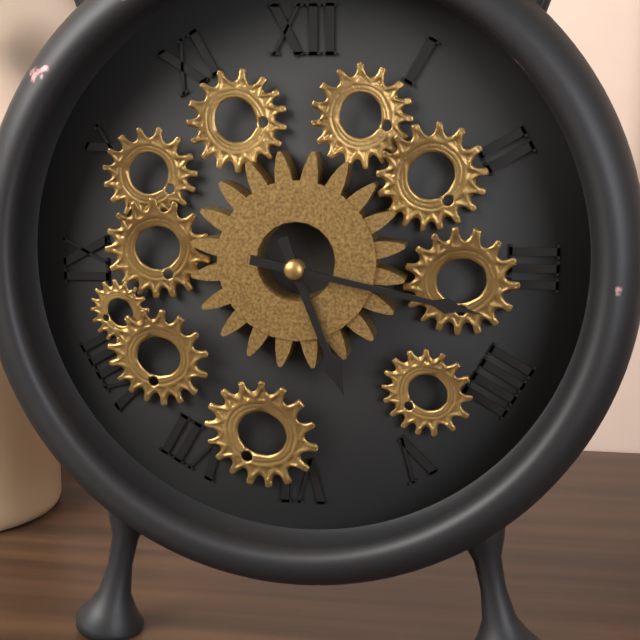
h=5 m=17
